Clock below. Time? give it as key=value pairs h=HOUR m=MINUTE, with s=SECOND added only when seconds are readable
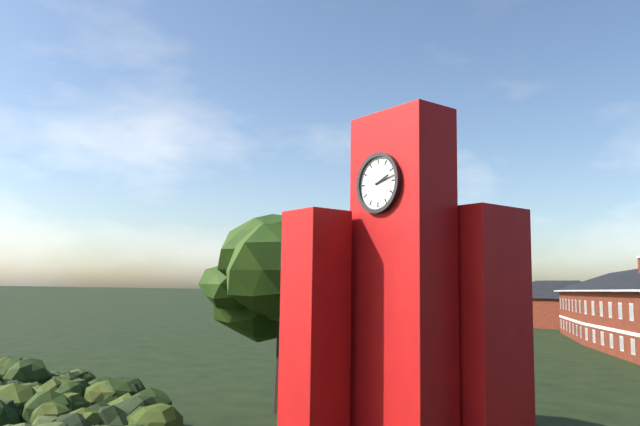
h=2 m=13
